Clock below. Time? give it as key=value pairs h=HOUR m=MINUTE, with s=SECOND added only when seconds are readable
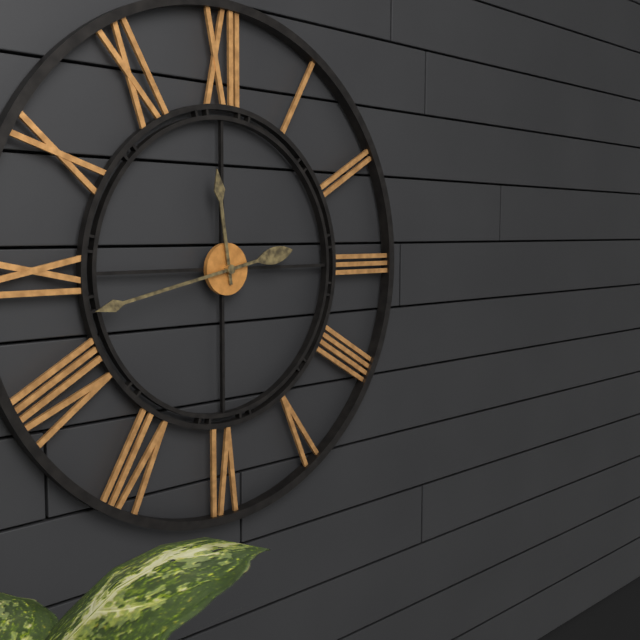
h=11 m=43
